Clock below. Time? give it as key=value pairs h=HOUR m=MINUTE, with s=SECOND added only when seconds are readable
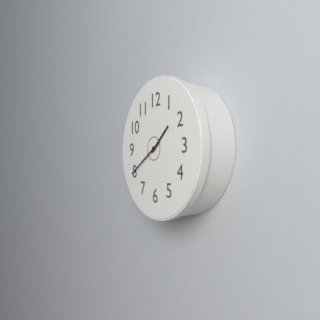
h=1 m=40
